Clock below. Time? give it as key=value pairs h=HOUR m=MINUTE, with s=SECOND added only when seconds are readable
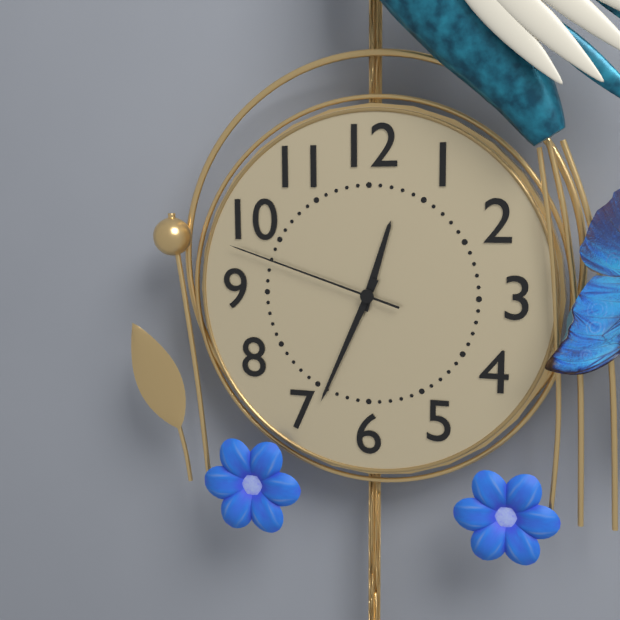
h=12 m=34 s=48
